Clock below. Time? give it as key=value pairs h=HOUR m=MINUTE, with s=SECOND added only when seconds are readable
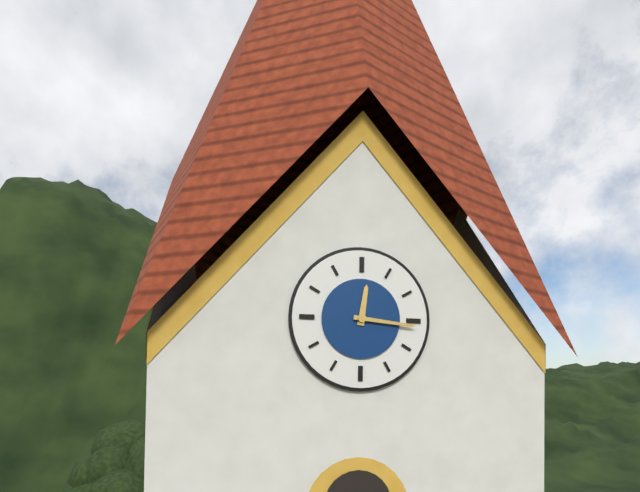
h=12 m=16
